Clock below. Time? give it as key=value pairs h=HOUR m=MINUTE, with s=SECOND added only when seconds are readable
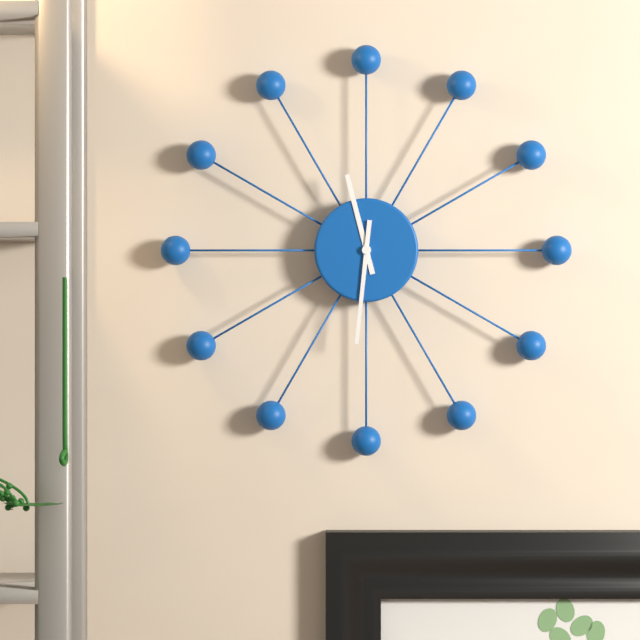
h=11 m=31
